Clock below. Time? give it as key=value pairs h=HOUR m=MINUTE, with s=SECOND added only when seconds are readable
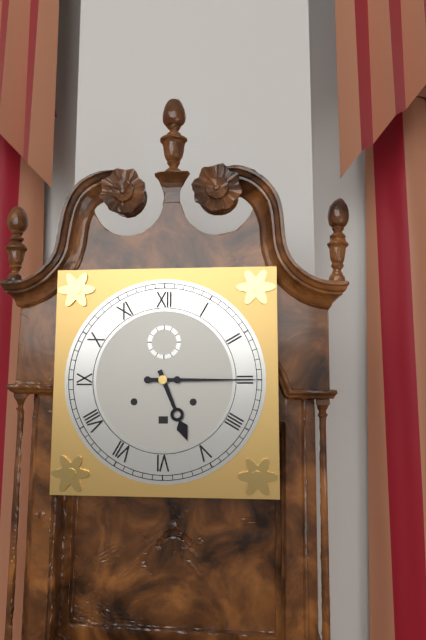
h=5 m=15
